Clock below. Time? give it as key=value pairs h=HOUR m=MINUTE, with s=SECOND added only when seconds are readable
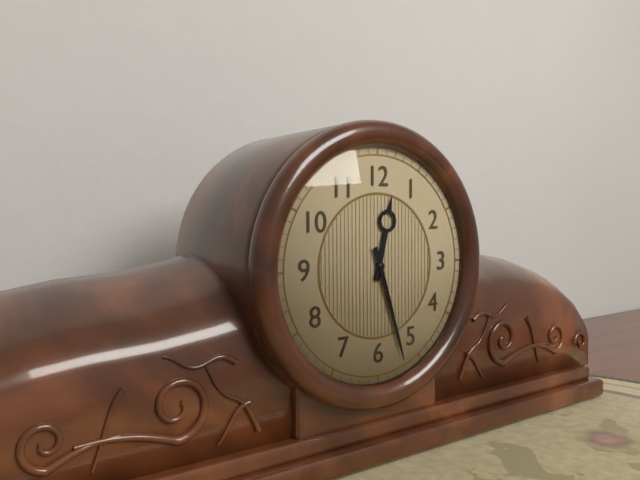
h=12 m=27
